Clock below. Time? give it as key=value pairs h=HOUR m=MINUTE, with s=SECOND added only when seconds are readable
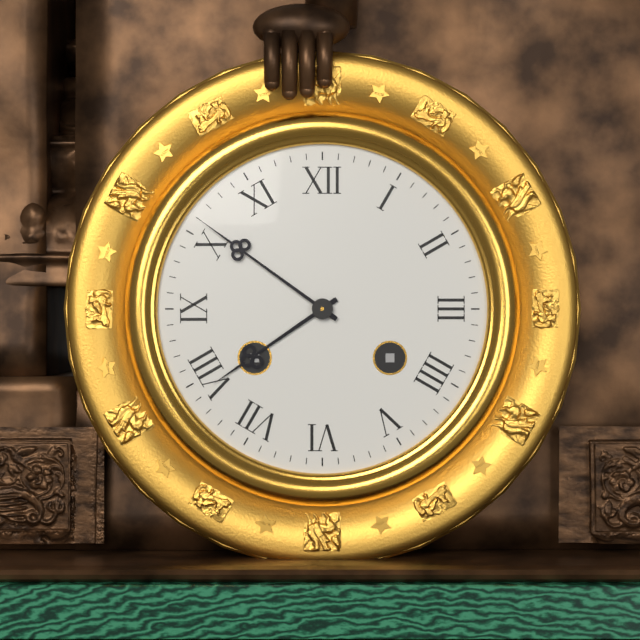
h=7 m=51
